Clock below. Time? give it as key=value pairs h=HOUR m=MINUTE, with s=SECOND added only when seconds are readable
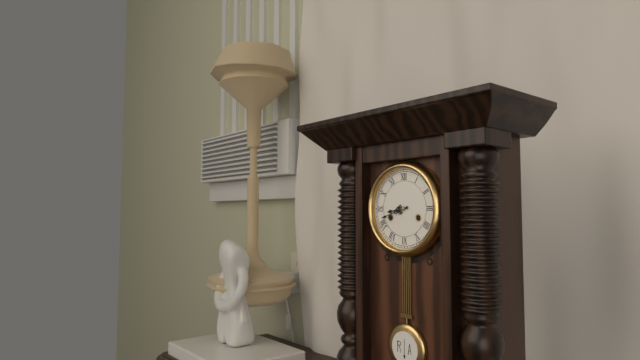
h=8 m=42
